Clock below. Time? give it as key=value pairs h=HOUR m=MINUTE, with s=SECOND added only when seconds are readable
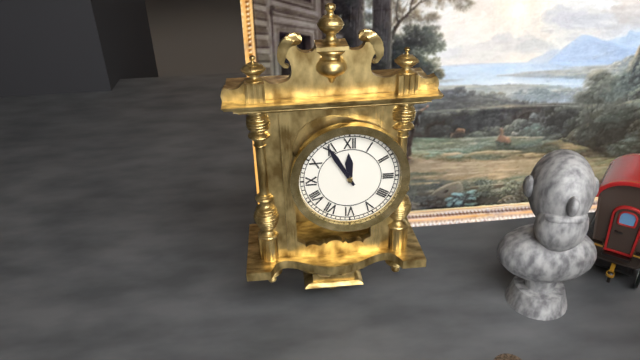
h=11 m=55
